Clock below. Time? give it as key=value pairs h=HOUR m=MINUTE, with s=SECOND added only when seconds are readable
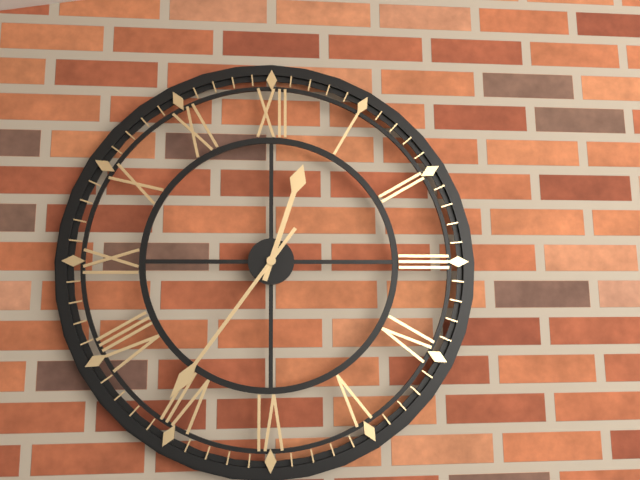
h=12 m=36
